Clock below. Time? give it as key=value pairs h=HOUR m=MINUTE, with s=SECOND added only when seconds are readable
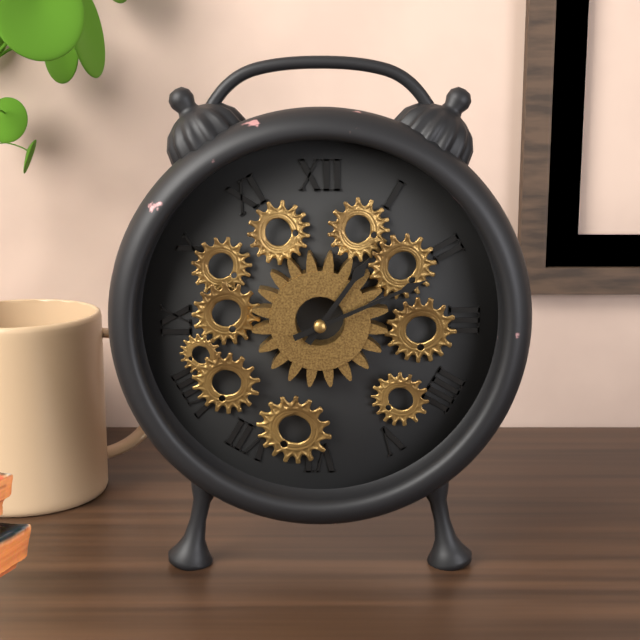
h=1 m=11
